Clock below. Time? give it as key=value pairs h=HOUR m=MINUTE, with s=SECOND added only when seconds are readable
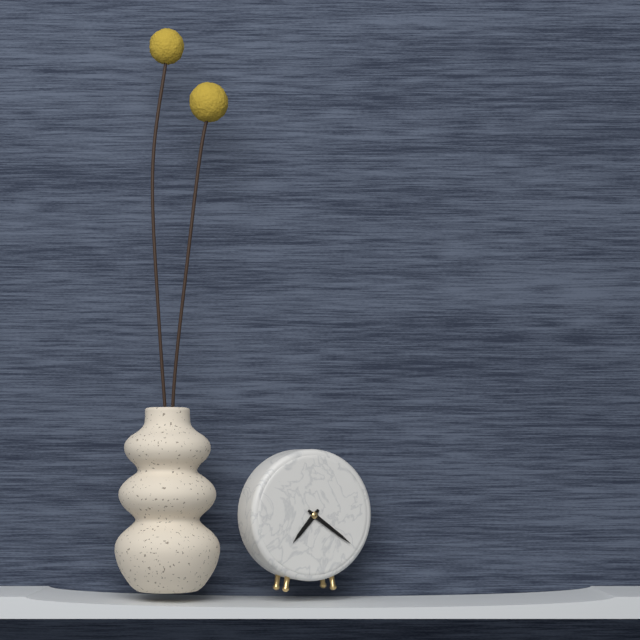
h=7 m=21
